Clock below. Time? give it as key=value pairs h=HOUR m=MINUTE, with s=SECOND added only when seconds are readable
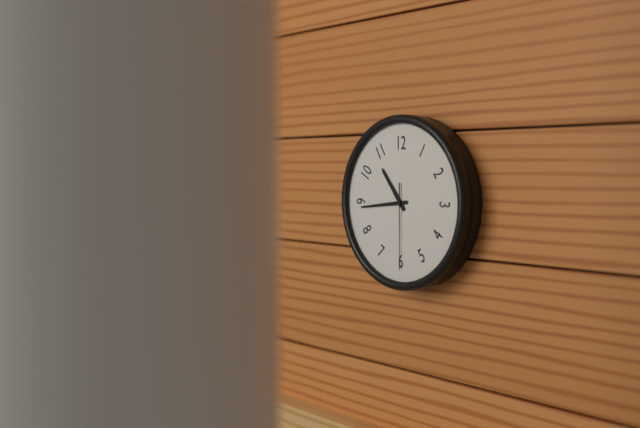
h=10 m=44 s=30
